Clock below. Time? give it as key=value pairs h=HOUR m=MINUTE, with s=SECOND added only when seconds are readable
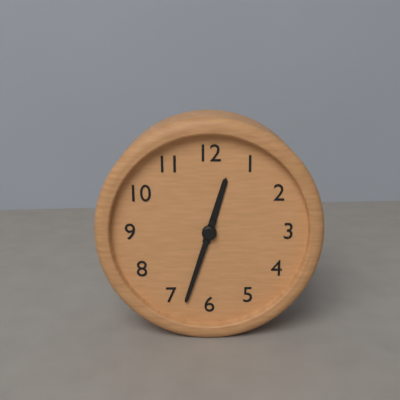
h=12 m=33
